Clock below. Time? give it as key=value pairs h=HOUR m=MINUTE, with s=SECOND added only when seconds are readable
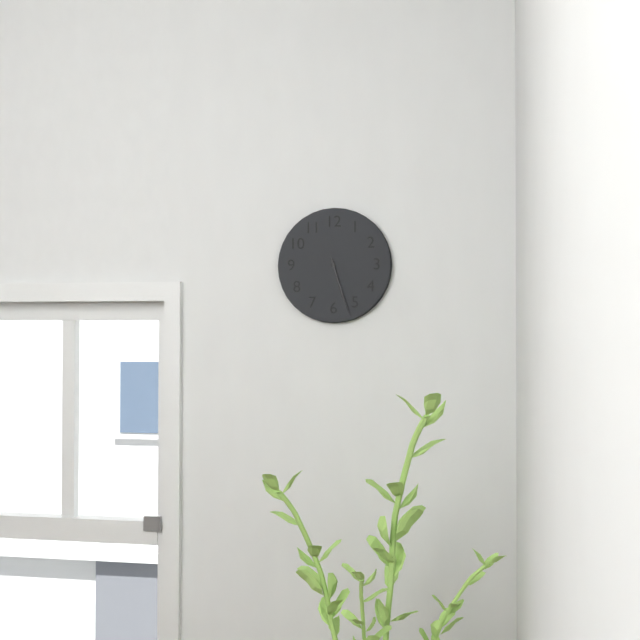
h=5 m=27
